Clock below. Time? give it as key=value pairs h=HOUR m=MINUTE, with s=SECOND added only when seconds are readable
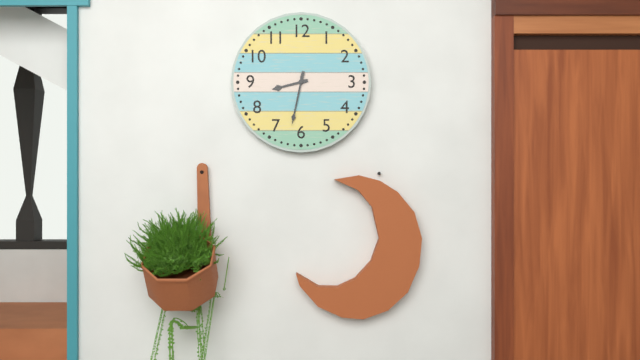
h=8 m=32
